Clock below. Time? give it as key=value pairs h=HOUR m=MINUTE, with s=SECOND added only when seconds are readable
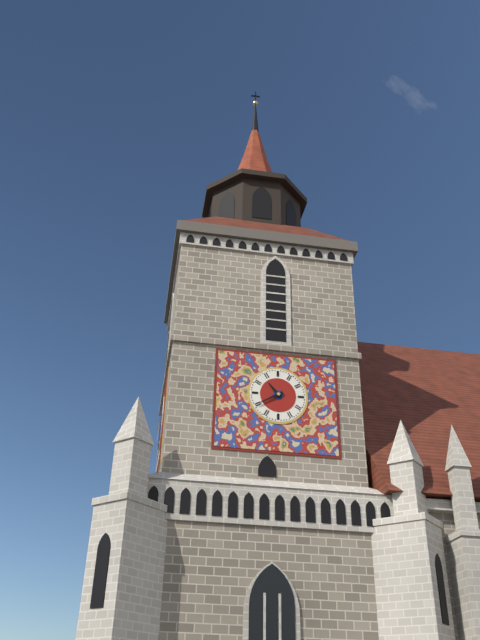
h=10 m=40
